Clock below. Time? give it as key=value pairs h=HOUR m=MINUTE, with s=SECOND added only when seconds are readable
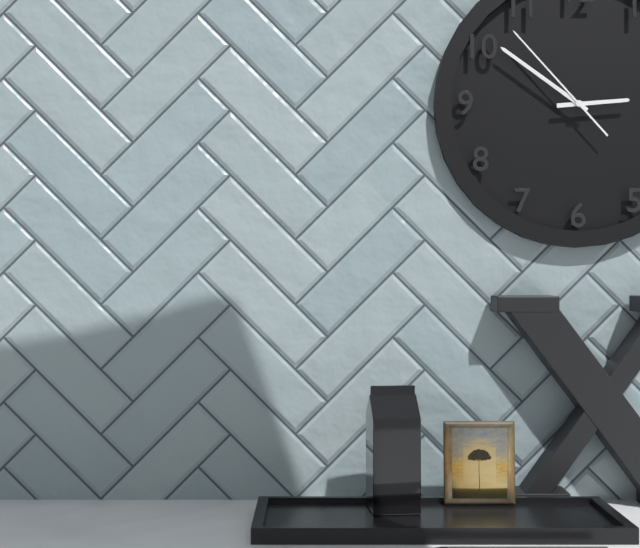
h=2 m=51 s=53
